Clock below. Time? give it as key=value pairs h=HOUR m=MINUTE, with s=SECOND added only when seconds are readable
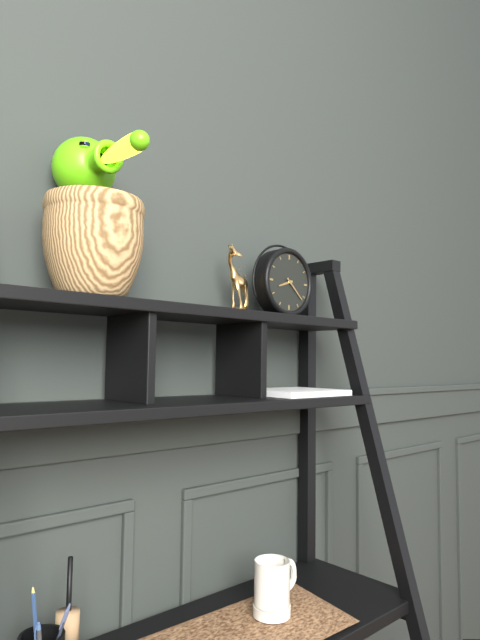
h=8 m=22
